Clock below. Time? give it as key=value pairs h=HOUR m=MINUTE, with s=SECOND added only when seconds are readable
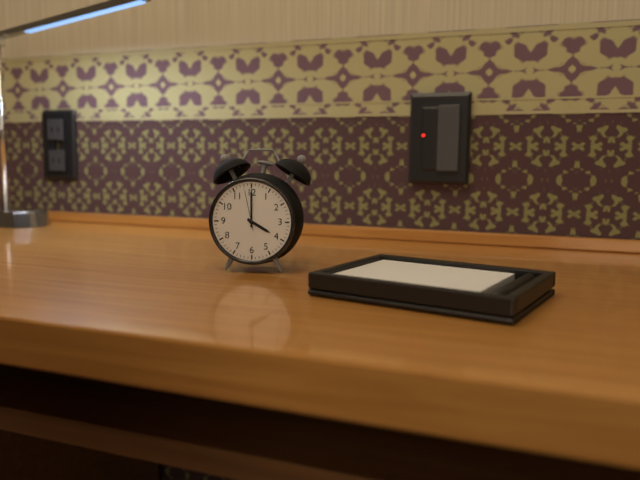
h=4 m=0
